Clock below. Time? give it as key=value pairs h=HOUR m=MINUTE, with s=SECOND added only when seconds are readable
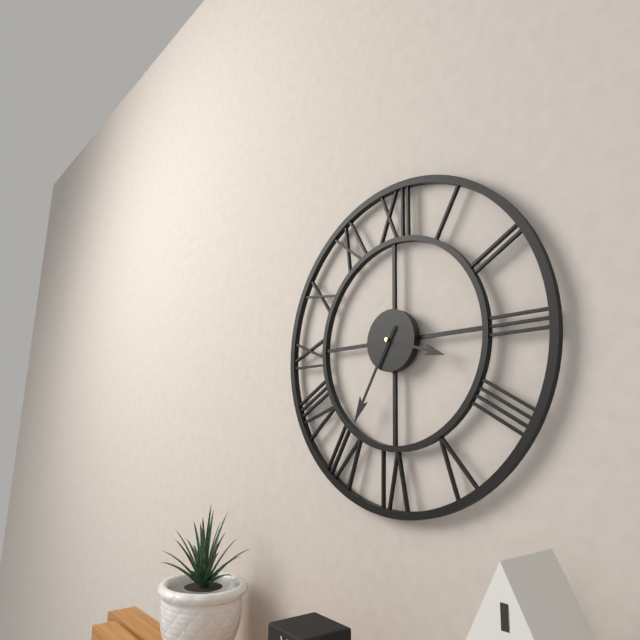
h=3 m=35
